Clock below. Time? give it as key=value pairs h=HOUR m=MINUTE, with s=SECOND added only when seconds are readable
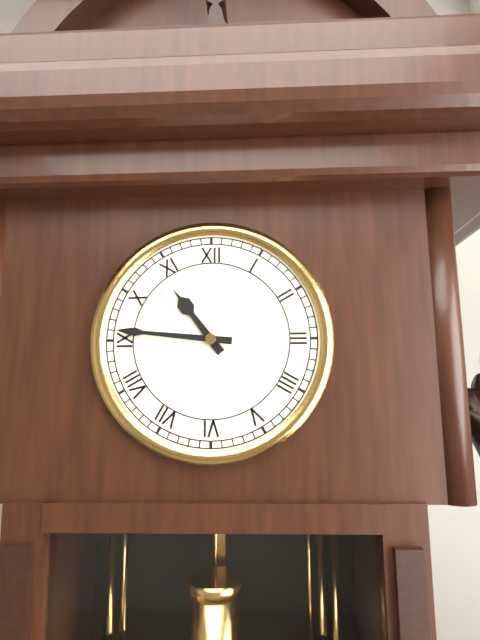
h=10 m=46
